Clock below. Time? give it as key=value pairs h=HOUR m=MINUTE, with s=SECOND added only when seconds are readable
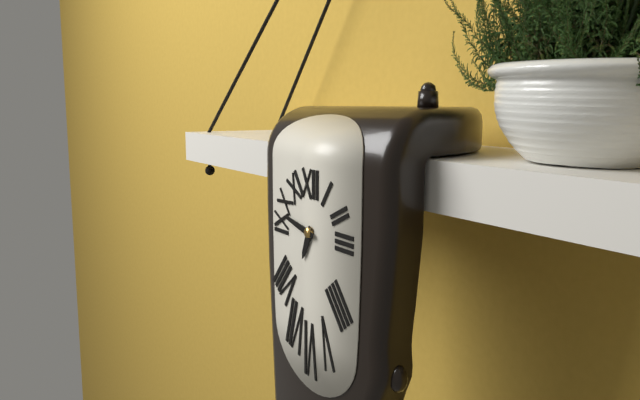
h=6 m=47
